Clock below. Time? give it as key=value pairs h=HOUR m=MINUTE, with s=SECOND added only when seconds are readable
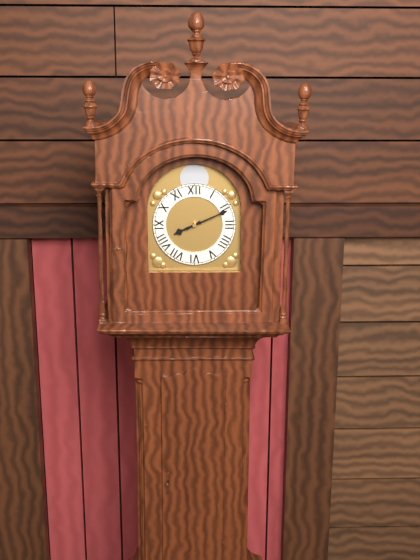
h=8 m=11
